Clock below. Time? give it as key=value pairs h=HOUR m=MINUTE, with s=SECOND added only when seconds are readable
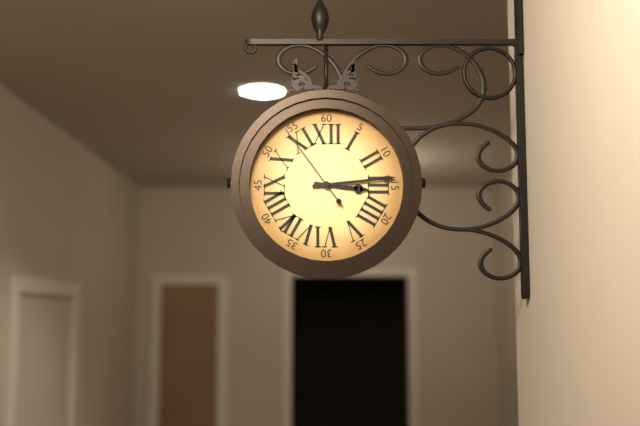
h=3 m=14 s=54
